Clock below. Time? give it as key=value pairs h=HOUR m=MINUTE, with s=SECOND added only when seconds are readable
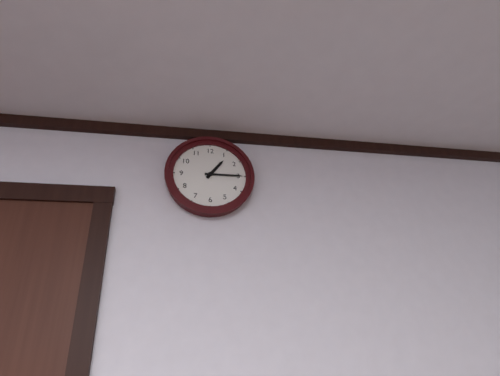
h=1 m=15
